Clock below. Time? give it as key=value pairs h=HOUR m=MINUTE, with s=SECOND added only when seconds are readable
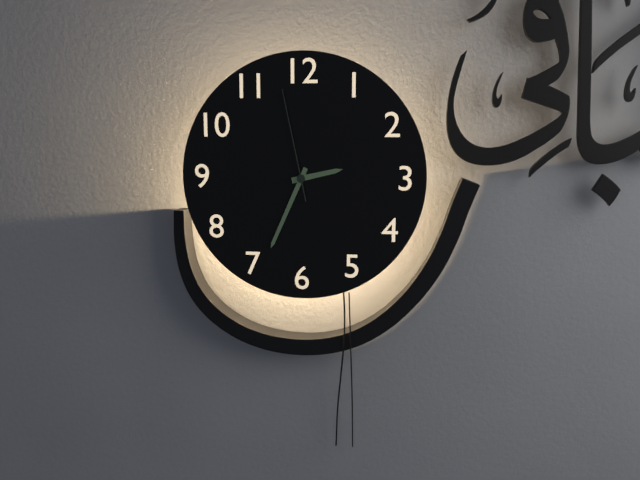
h=2 m=34 s=58
